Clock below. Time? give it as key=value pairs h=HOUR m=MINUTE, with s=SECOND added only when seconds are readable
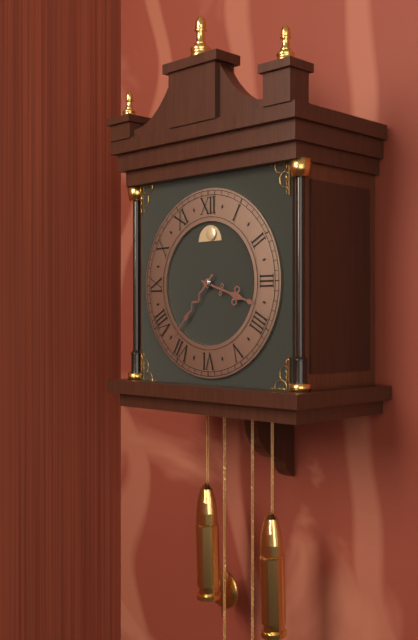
h=3 m=37
